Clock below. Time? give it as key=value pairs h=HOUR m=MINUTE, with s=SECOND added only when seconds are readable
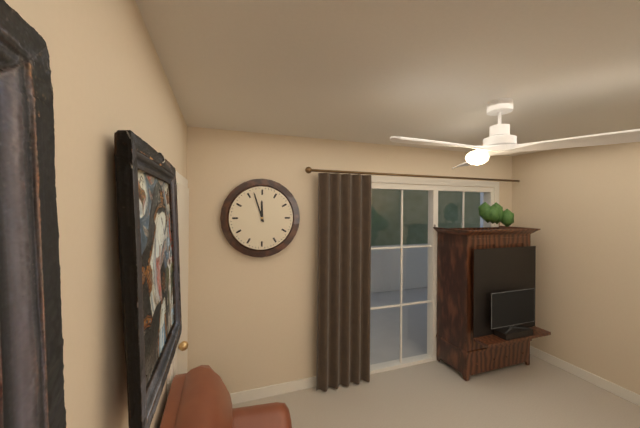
h=11 m=57
